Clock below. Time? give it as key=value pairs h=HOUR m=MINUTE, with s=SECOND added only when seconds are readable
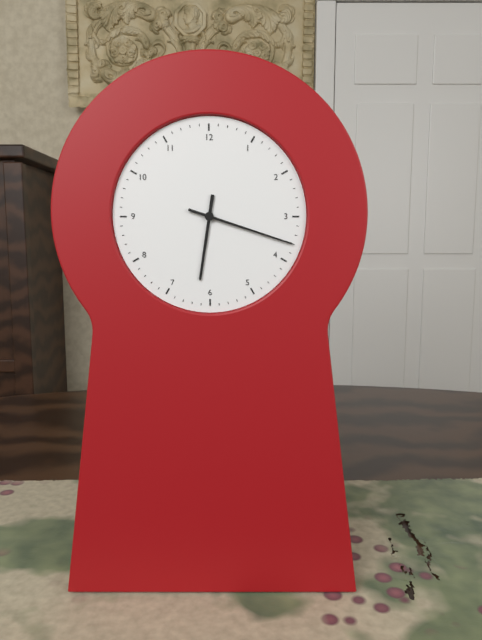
h=6 m=18
